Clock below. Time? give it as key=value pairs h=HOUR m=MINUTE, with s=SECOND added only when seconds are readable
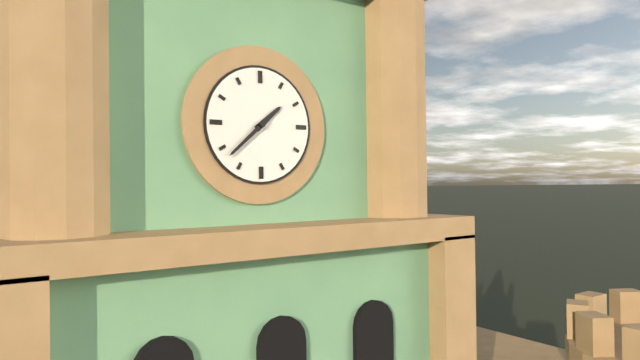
h=1 m=38
